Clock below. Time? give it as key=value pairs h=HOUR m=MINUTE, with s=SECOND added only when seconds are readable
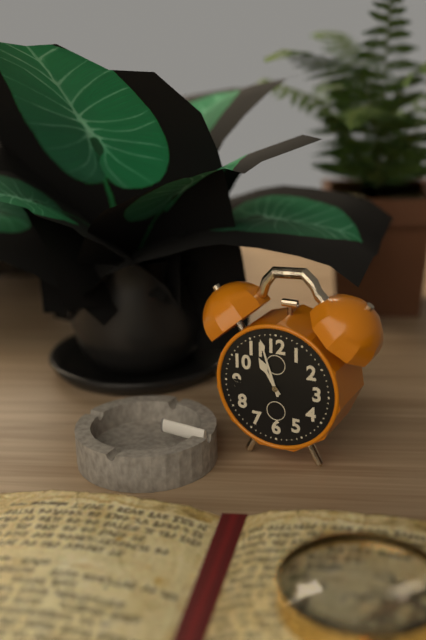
h=10 m=57
